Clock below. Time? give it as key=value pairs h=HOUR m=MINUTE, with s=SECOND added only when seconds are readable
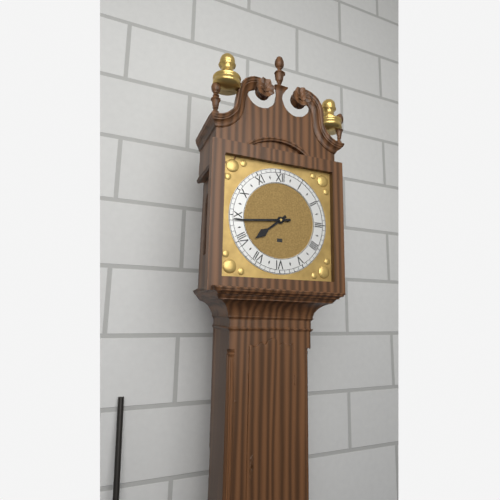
h=7 m=44
